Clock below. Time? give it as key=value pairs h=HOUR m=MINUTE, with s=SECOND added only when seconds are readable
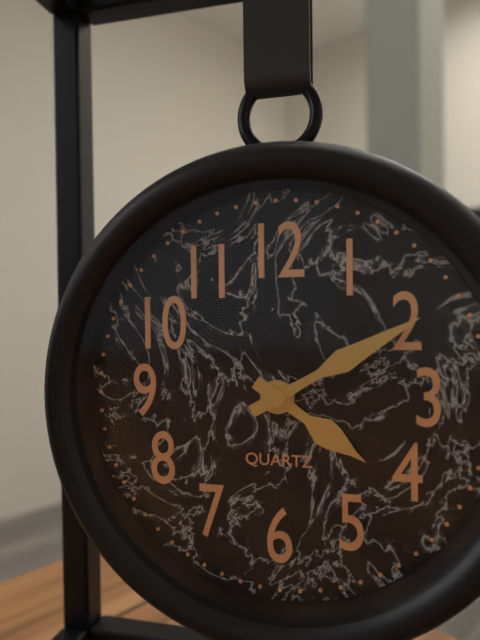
h=4 m=10
